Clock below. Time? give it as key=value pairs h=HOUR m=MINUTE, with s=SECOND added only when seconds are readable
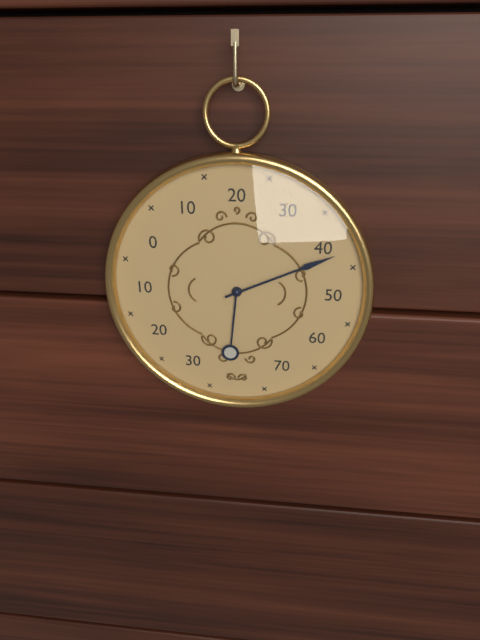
h=6 m=11
